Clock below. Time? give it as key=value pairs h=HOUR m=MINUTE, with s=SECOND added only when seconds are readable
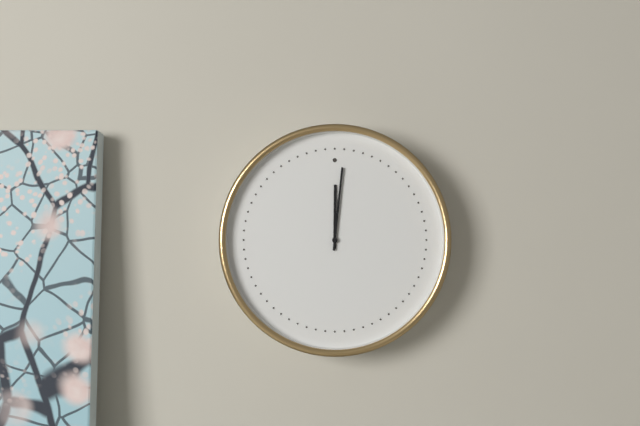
h=12 m=1
